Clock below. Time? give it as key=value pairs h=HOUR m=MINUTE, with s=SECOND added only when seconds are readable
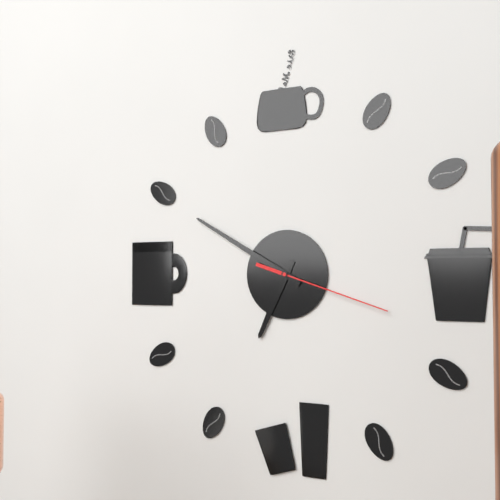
h=6 m=50 s=18
